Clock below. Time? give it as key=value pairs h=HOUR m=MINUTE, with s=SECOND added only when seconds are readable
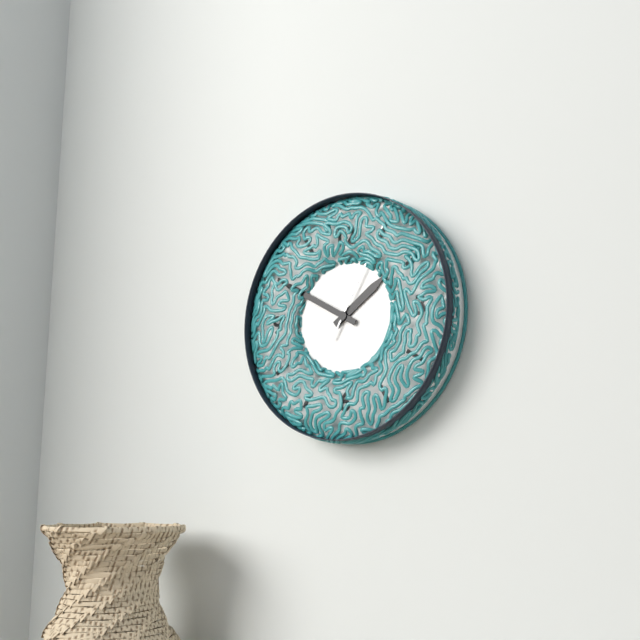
h=1 m=50 s=5
